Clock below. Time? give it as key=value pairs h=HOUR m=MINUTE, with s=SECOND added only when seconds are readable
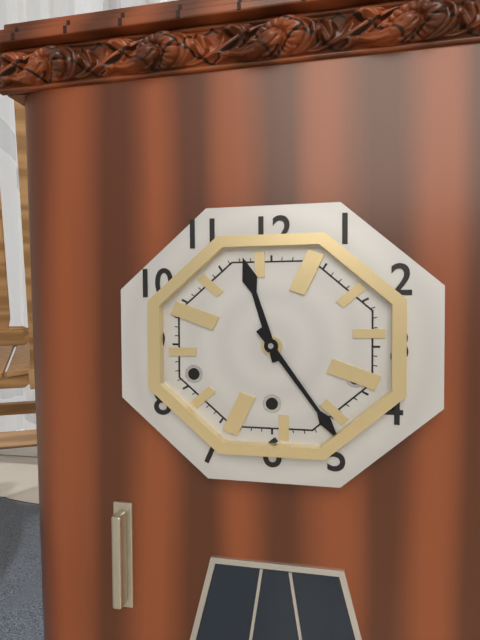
h=11 m=24
